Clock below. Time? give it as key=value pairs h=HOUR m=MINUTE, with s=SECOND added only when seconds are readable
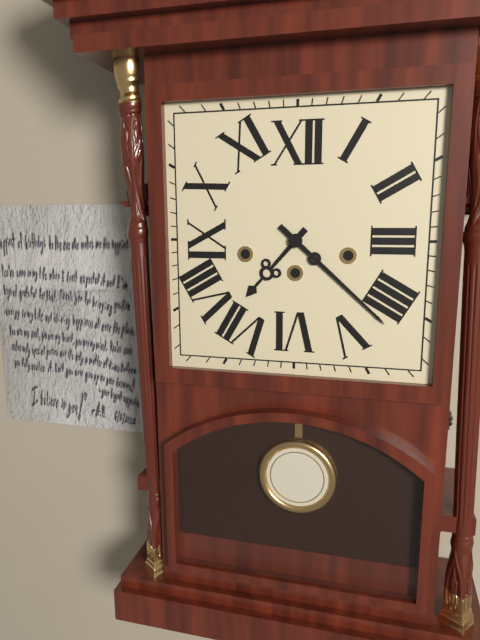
h=7 m=22
